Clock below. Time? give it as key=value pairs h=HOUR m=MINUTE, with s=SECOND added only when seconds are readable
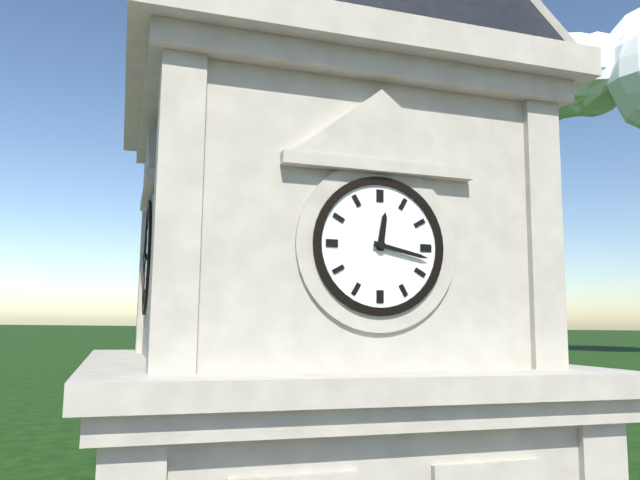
h=12 m=17
